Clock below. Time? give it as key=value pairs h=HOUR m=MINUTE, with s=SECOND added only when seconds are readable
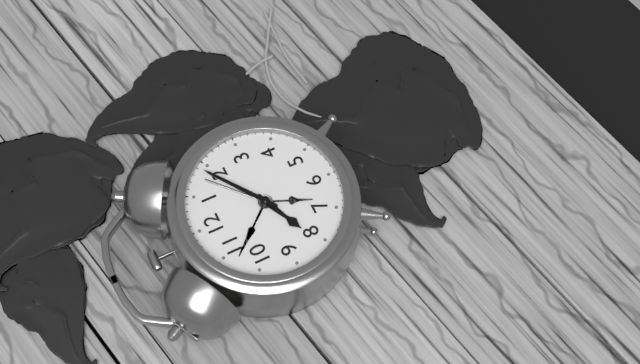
h=8 m=9
